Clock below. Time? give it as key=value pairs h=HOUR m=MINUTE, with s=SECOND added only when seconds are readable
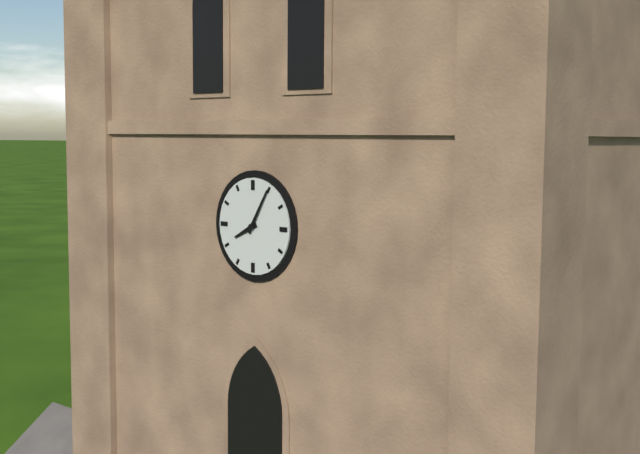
h=8 m=5
